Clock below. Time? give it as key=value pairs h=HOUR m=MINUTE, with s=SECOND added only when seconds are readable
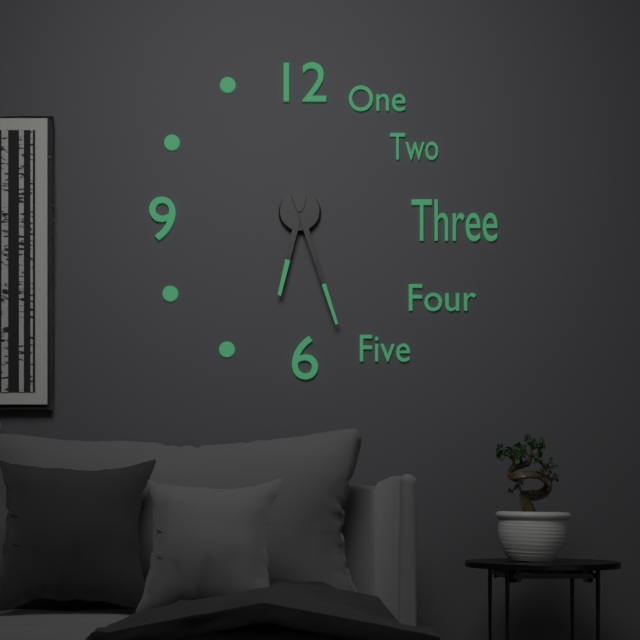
h=6 m=27
